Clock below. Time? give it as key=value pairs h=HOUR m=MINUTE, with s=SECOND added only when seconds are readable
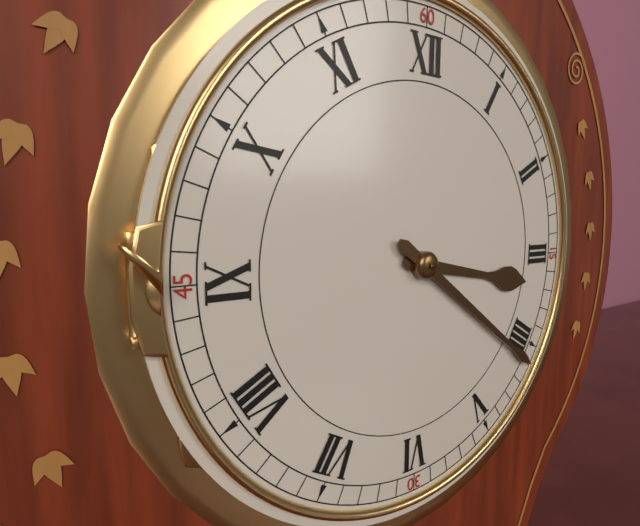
h=3 m=21
